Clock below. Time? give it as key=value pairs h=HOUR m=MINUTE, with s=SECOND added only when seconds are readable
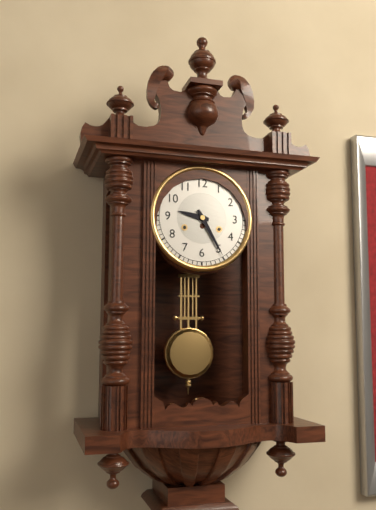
h=9 m=25
